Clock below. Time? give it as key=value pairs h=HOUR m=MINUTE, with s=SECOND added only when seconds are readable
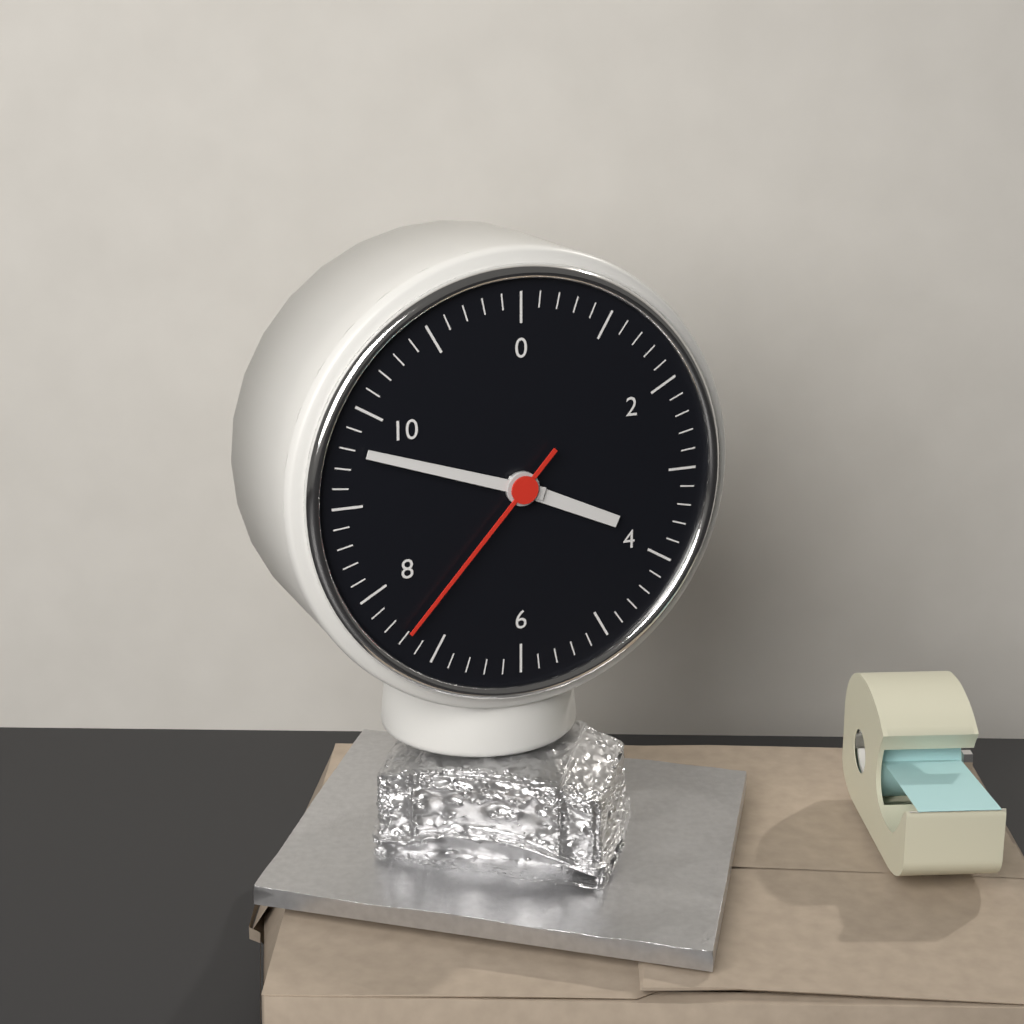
h=3 m=48 s=37
